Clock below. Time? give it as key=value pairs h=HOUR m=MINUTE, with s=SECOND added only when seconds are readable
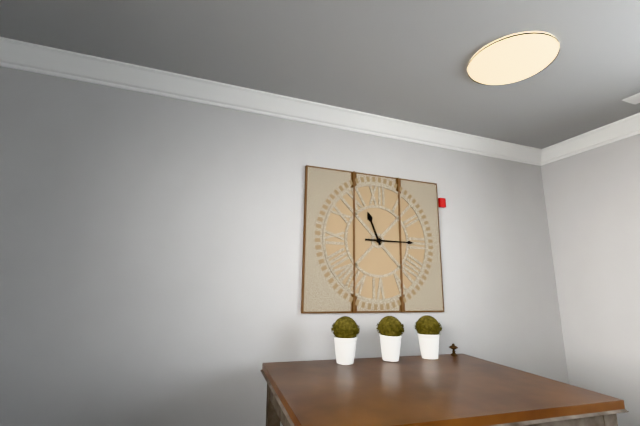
h=11 m=15
